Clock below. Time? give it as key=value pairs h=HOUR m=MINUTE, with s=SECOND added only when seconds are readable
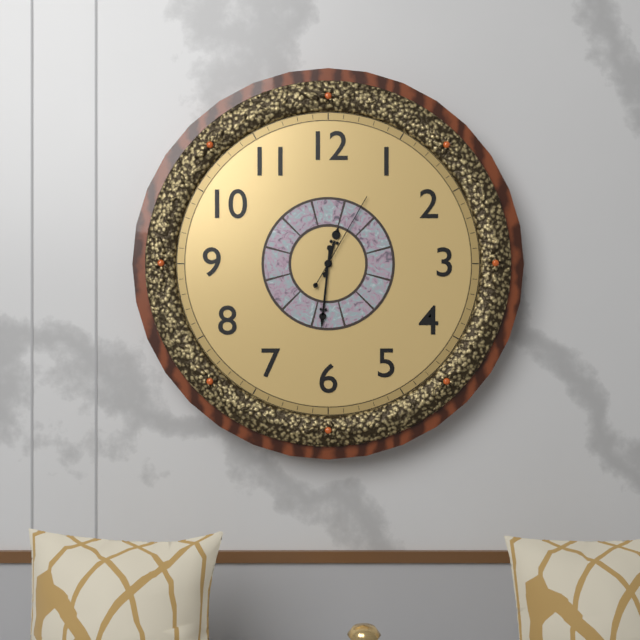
h=12 m=31 s=5
